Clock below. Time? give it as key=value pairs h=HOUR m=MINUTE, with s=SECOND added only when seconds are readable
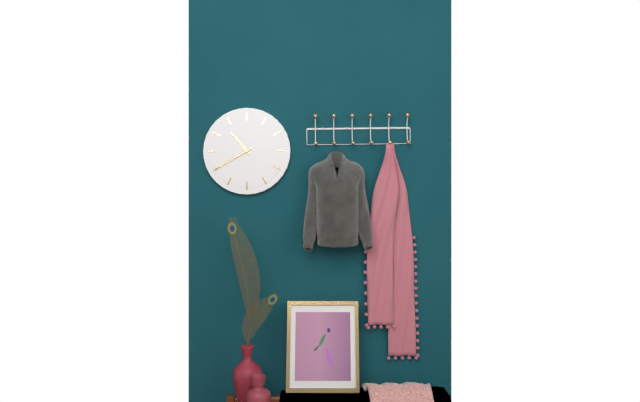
h=10 m=40
